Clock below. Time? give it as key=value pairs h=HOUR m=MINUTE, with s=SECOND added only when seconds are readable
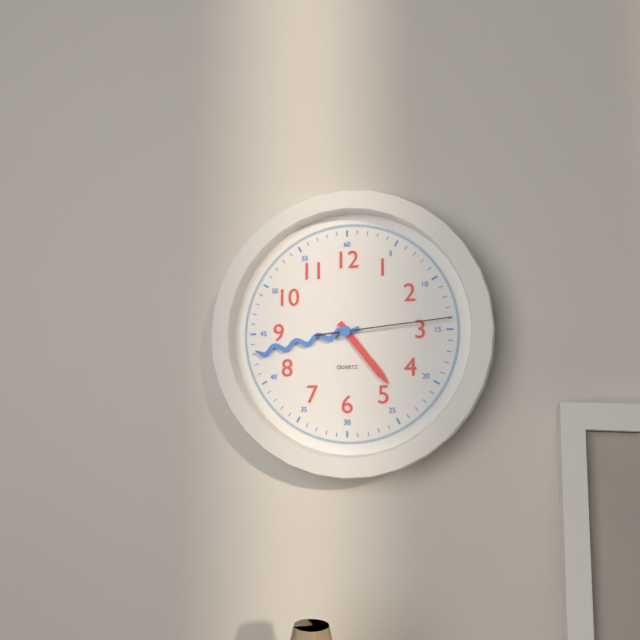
h=4 m=43 s=14
